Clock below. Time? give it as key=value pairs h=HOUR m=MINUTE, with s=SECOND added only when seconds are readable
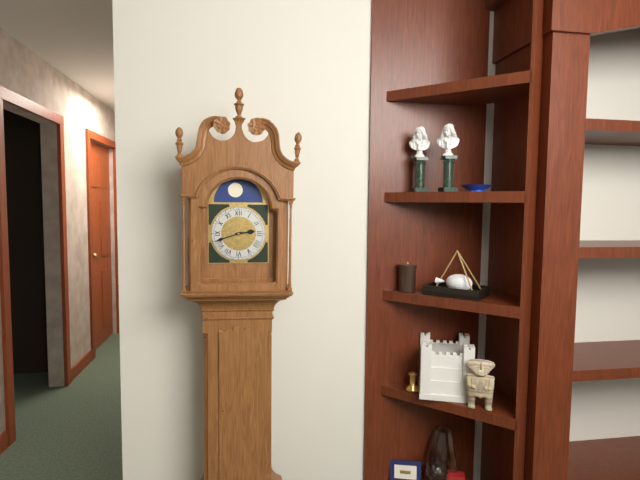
h=2 m=42
